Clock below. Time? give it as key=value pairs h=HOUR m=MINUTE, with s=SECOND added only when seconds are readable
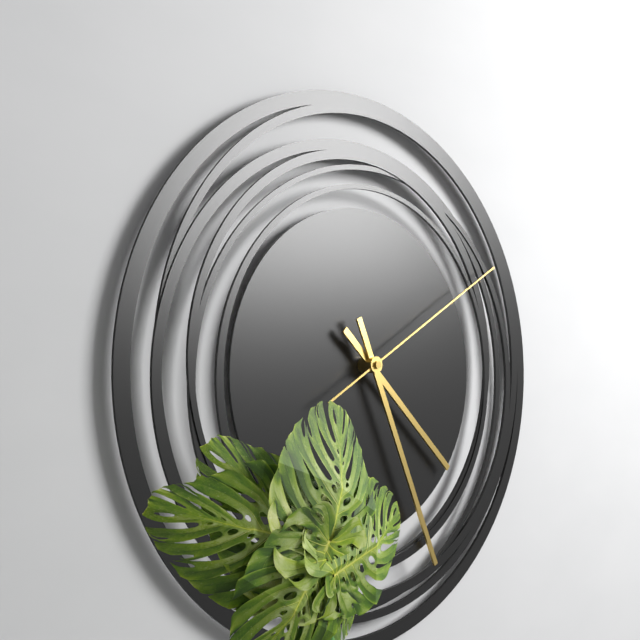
h=4 m=26 s=10
